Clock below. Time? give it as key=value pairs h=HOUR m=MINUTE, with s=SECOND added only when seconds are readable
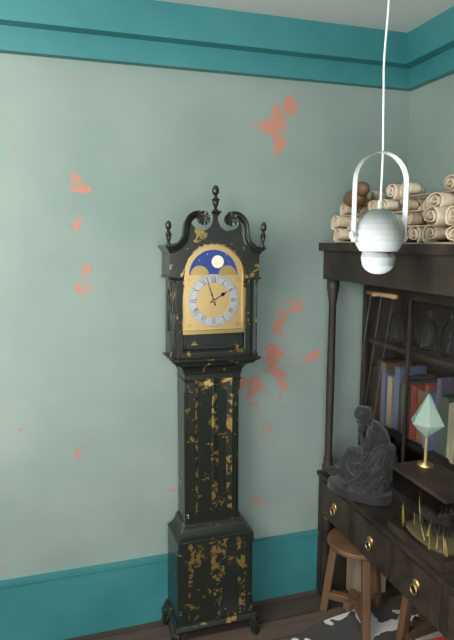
h=1 m=57
